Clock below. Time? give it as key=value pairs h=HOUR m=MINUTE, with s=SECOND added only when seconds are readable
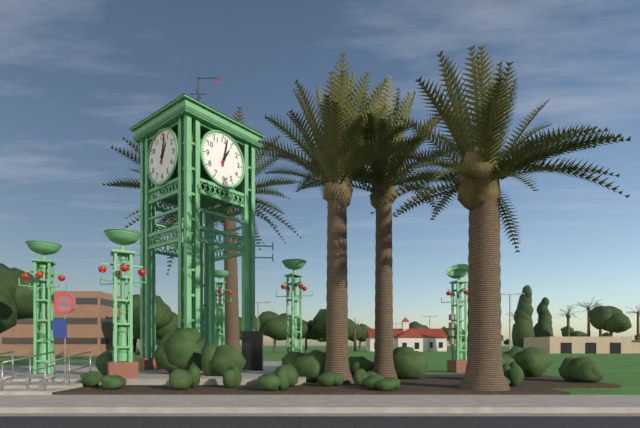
h=1 m=2
